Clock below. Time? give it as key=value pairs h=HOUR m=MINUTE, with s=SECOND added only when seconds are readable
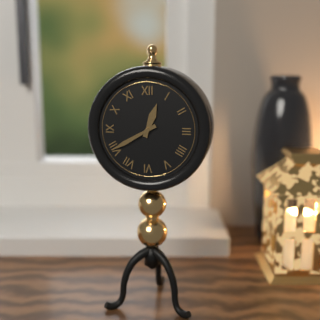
h=12 m=40
